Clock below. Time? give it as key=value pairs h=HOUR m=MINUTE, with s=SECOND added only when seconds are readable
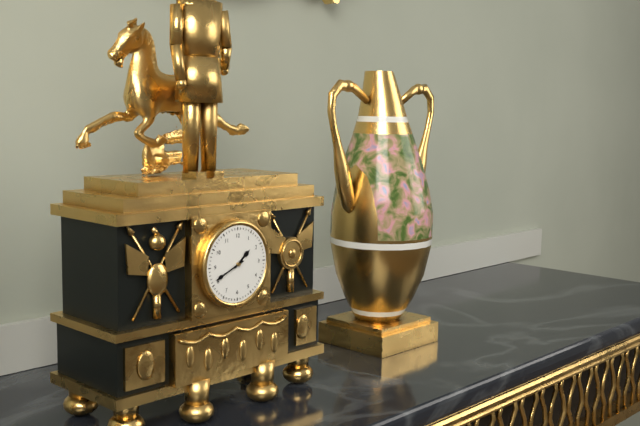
h=1 m=41
